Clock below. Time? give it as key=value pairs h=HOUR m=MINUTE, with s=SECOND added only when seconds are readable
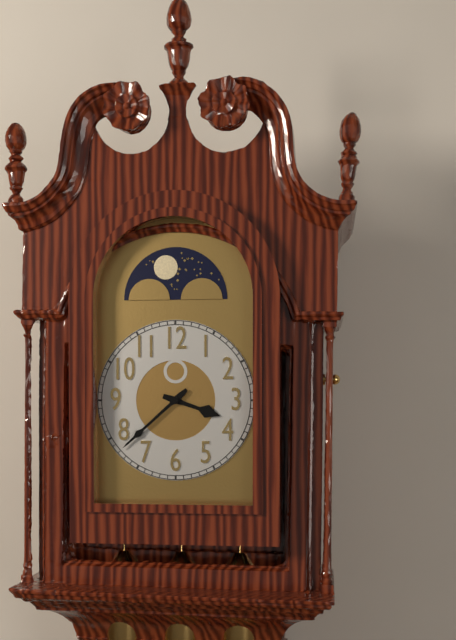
h=3 m=38
